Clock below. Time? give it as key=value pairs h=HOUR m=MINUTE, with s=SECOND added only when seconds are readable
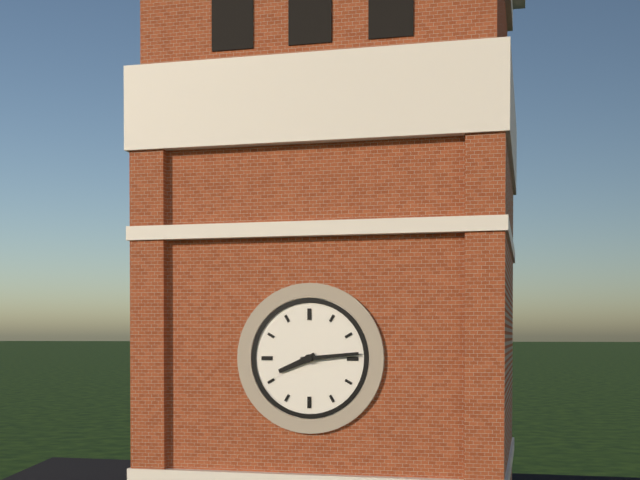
h=8 m=14
